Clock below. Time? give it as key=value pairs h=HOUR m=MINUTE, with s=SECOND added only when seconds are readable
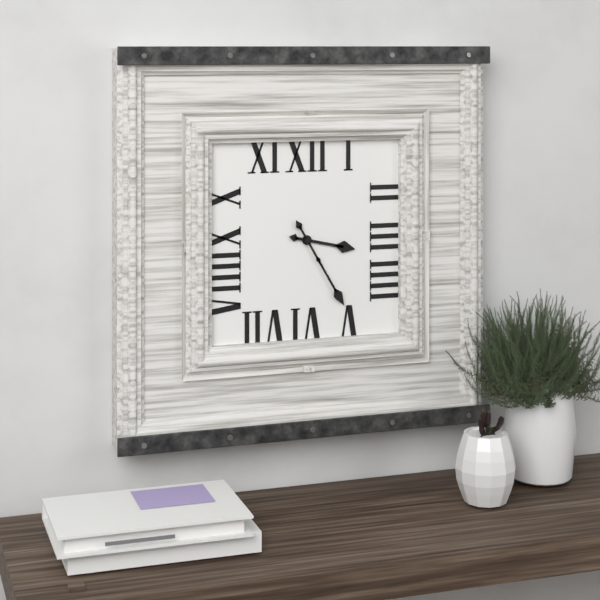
h=3 m=25
